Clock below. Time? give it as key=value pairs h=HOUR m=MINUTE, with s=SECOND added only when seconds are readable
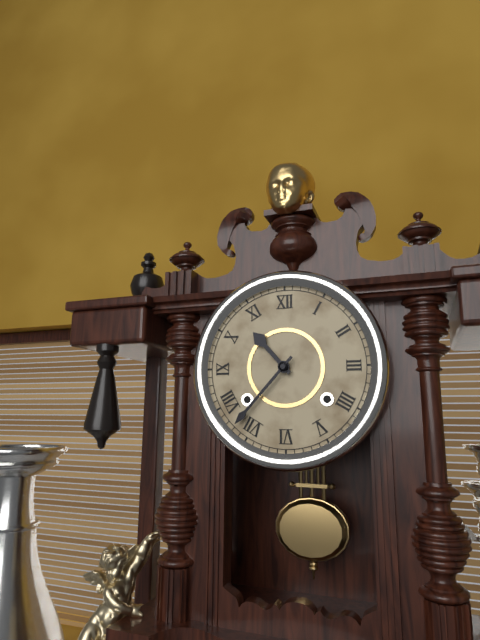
h=10 m=37
